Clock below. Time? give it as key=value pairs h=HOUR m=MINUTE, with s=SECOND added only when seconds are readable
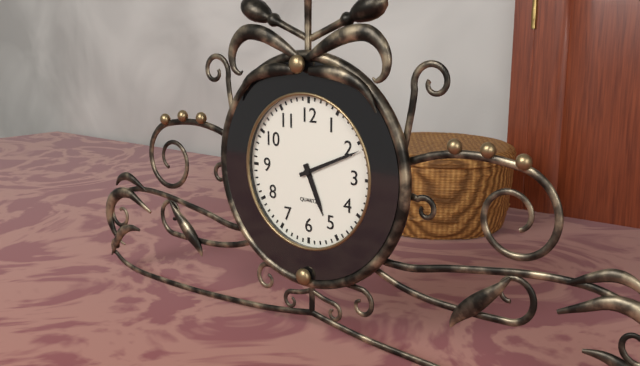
h=5 m=11
